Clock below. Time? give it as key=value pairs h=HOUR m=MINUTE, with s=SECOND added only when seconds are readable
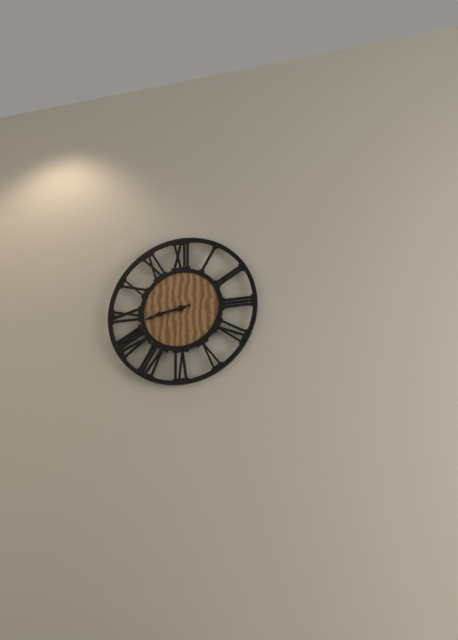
h=8 m=43
